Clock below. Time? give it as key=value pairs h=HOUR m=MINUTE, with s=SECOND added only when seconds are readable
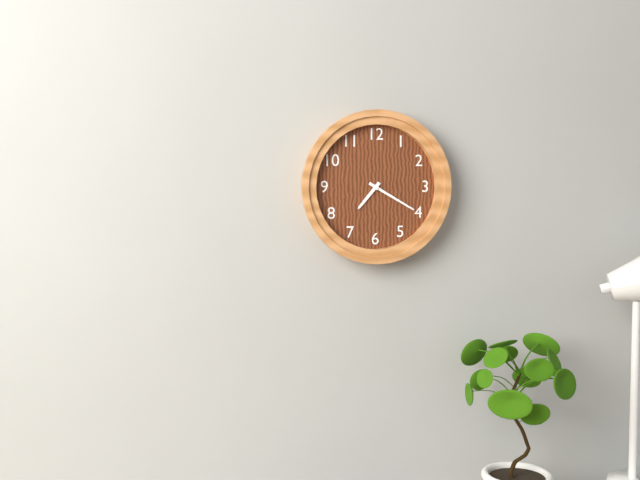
h=7 m=20
